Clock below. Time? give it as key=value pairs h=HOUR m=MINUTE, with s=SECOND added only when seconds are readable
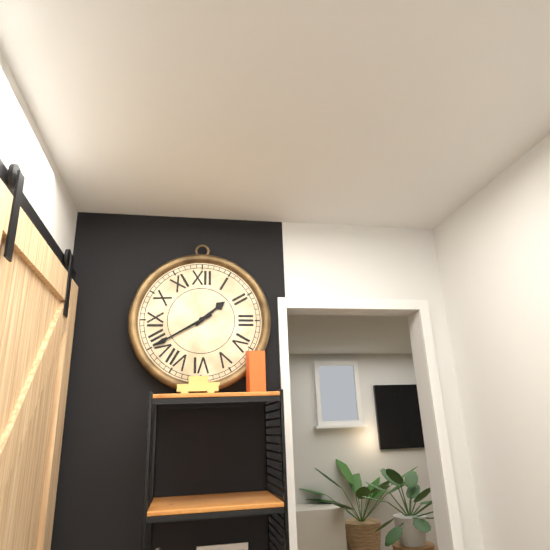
h=1 m=40
